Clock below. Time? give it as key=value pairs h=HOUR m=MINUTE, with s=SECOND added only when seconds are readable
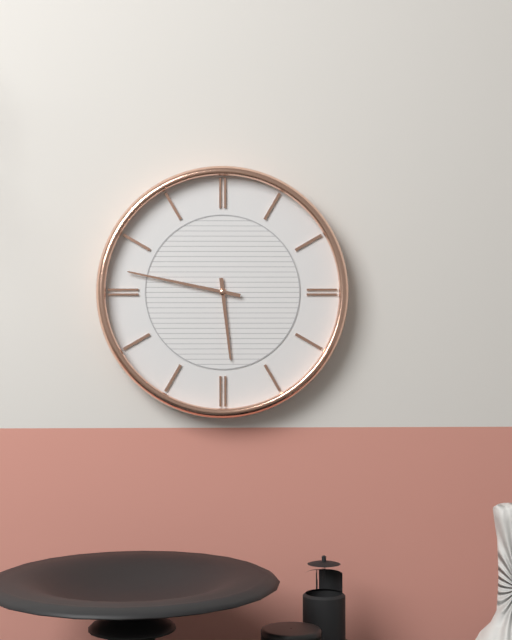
h=5 m=47
